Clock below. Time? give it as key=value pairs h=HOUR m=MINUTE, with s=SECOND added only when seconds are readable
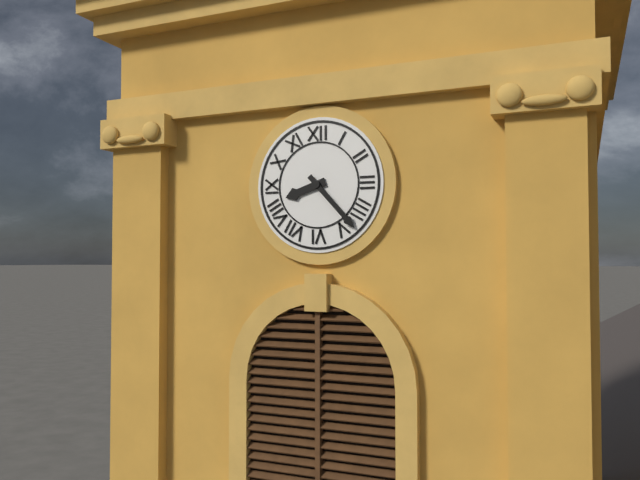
h=8 m=23
